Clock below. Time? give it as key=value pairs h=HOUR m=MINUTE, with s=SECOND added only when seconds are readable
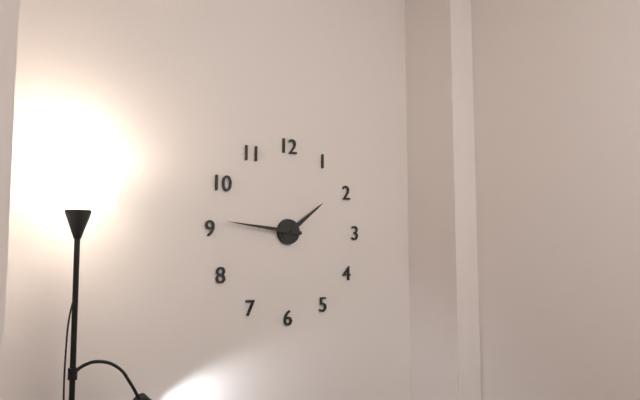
h=1 m=46
